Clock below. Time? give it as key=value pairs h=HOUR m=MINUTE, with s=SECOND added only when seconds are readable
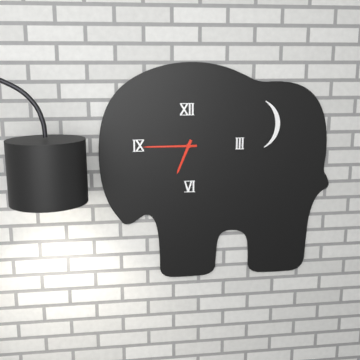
h=6 m=45
